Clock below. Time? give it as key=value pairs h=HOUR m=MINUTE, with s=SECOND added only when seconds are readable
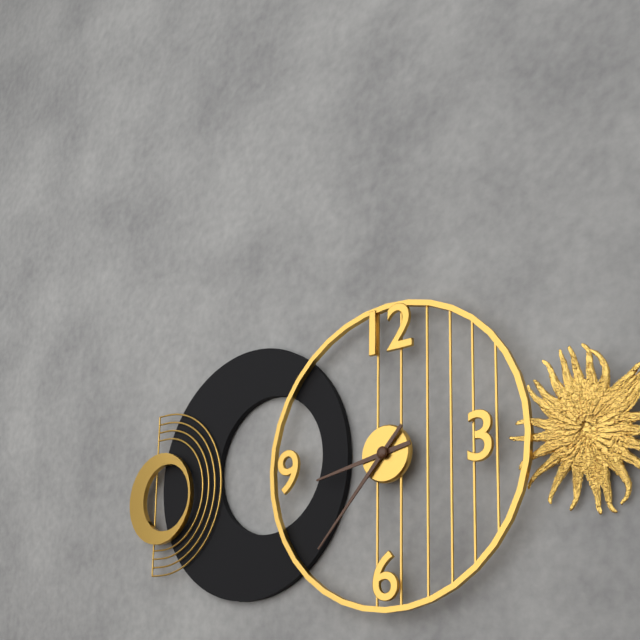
h=8 m=37
